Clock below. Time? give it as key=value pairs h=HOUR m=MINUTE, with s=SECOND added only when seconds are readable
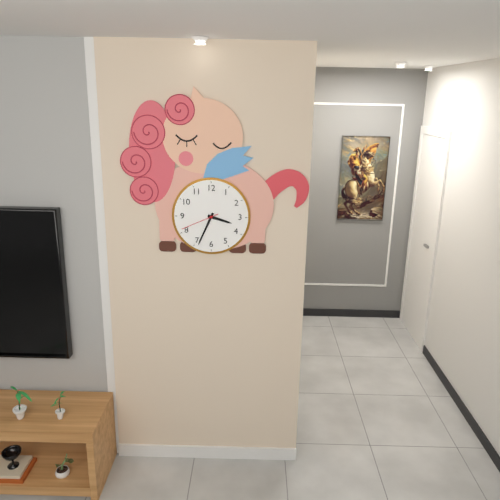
h=3 m=34
